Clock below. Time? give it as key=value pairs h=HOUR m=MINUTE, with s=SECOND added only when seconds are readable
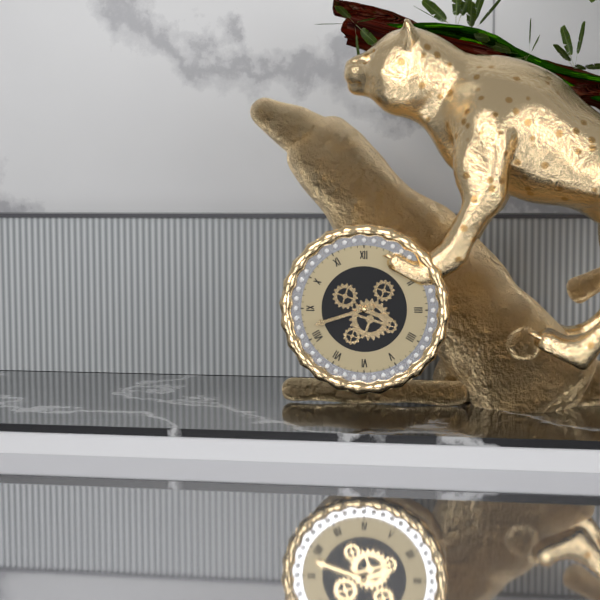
h=3 m=42
